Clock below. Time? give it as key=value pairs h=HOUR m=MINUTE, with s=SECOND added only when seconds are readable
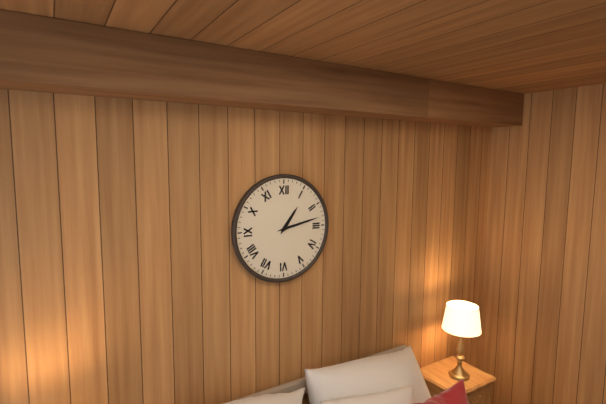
h=1 m=13
